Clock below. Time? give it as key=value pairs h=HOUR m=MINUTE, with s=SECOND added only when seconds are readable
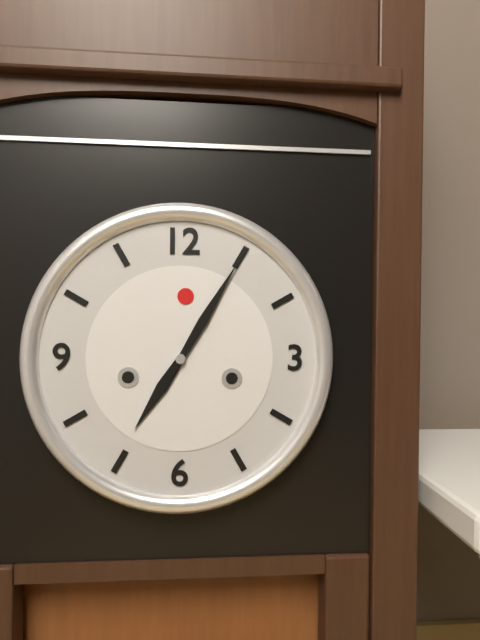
h=7 m=5
